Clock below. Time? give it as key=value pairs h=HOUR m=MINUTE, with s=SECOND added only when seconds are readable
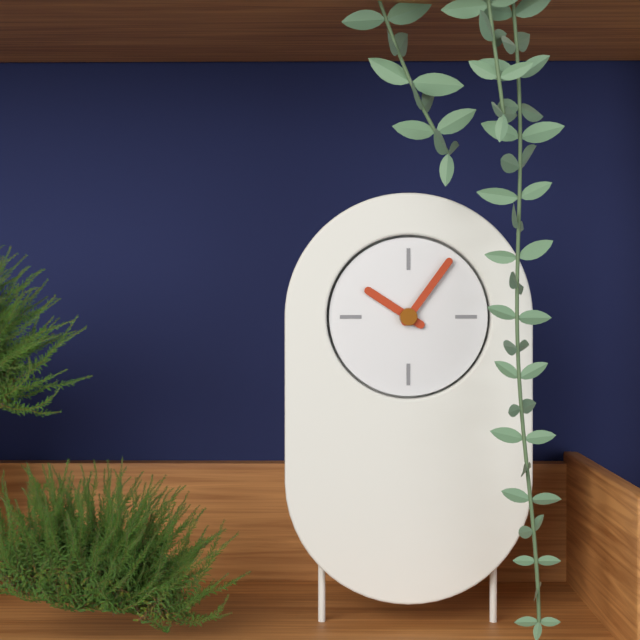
h=10 m=6
